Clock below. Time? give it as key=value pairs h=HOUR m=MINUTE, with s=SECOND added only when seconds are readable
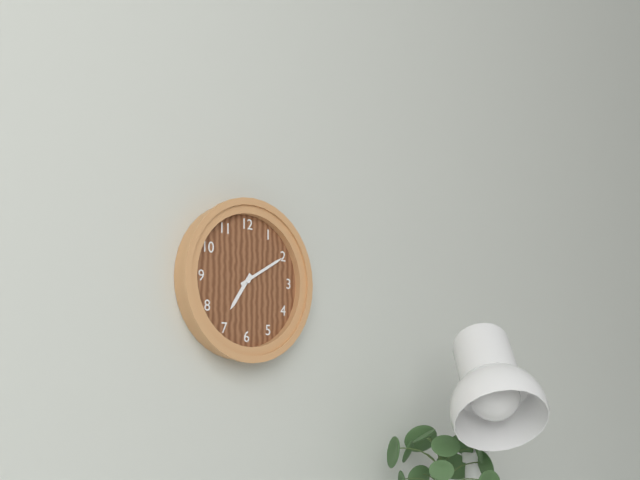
h=7 m=10
